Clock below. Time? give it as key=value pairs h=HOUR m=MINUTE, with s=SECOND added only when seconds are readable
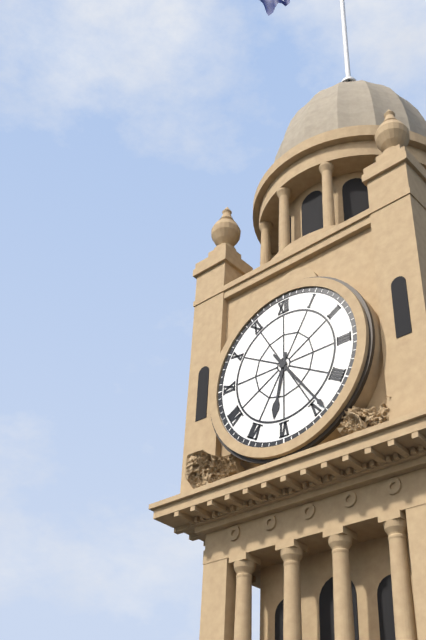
h=6 m=24
